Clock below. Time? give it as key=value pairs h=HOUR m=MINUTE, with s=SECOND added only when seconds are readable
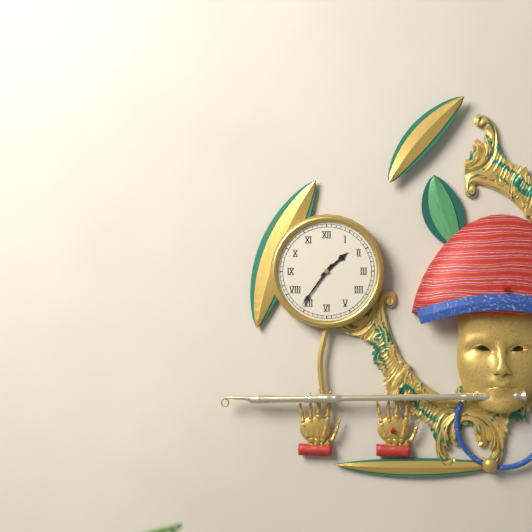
h=1 m=36
